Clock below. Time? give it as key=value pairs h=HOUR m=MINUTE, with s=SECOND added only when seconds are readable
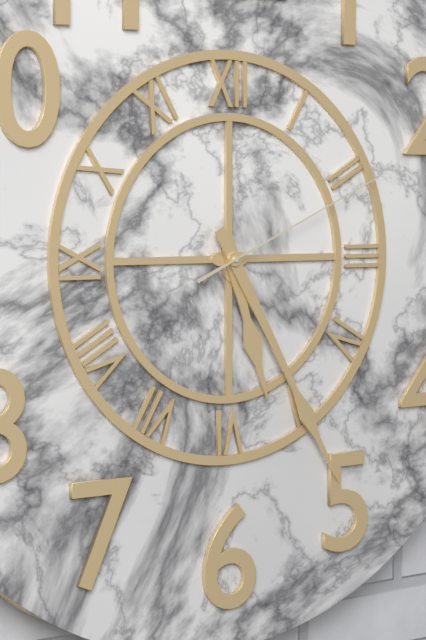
h=5 m=25 s=11
